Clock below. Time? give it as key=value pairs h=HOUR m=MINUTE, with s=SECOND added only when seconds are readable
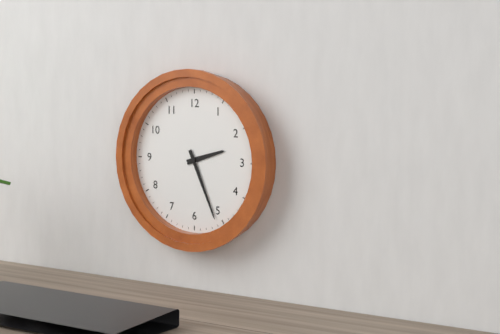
h=2 m=26
